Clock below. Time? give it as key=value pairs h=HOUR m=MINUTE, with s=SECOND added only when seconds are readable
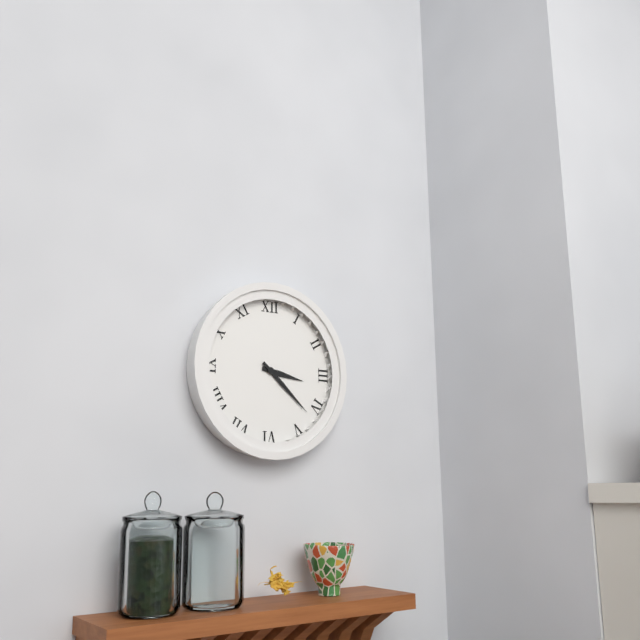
h=3 m=22
